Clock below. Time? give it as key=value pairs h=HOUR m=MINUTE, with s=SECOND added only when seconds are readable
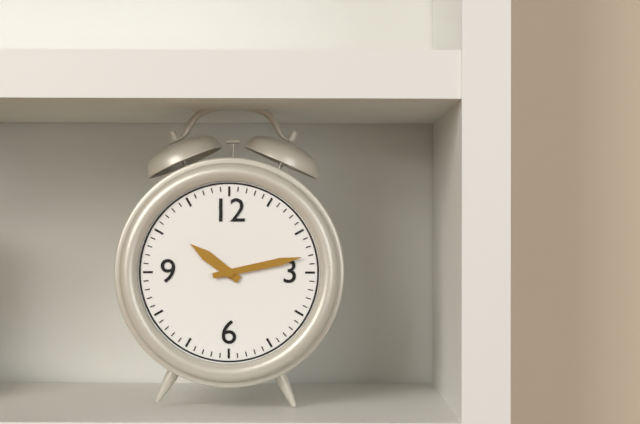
h=10 m=13
